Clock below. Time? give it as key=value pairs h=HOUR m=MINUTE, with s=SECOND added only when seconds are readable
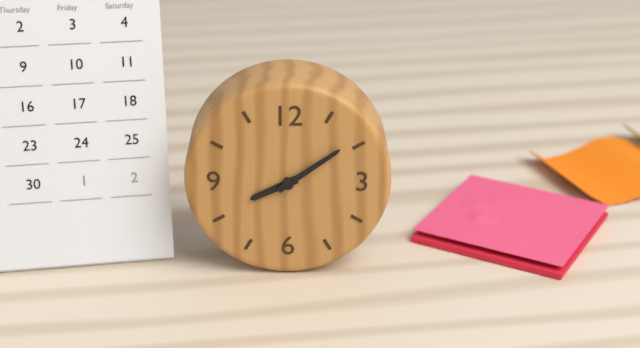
h=8 m=9
